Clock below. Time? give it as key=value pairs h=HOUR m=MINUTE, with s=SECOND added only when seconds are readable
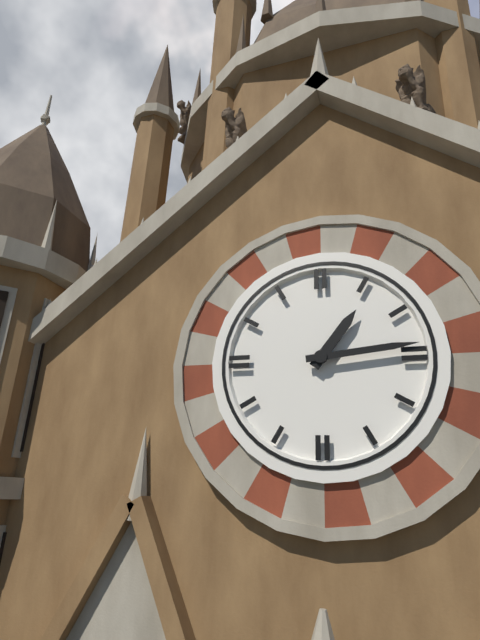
h=1 m=14
